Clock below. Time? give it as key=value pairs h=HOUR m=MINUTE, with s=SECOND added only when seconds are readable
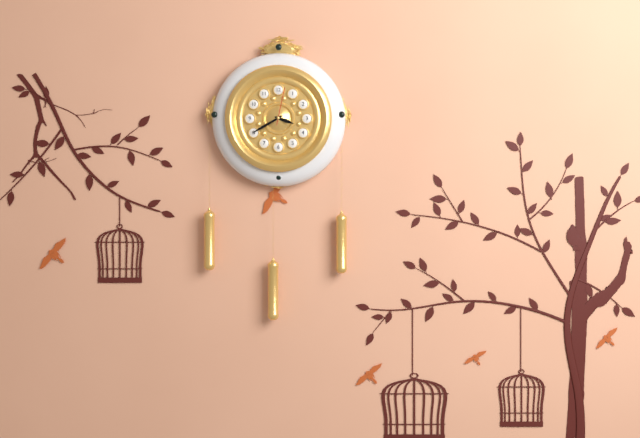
h=3 m=40
